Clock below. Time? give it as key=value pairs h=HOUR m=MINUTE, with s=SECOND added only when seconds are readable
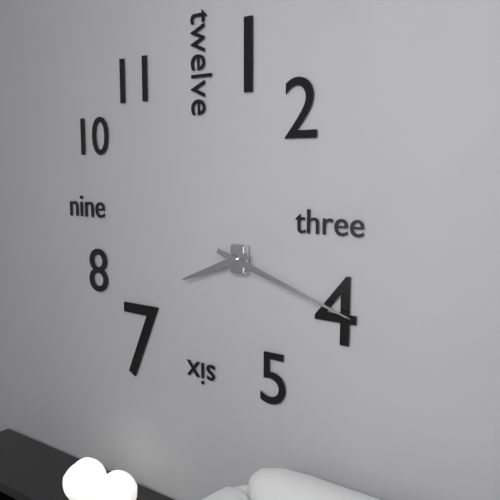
h=8 m=18
